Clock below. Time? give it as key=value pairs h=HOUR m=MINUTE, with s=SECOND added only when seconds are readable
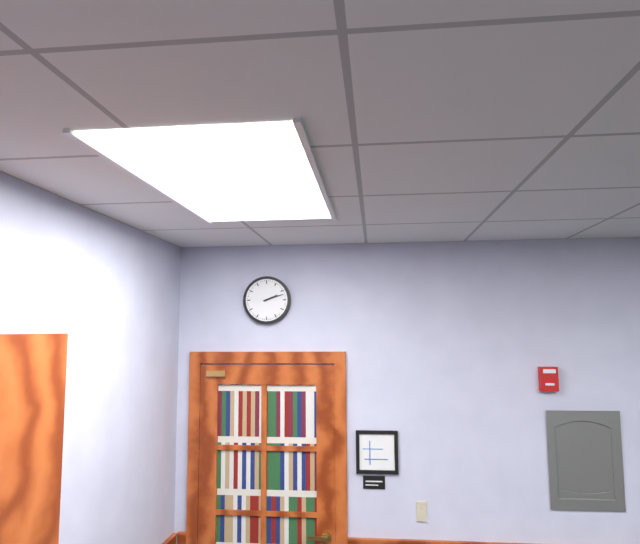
h=2 m=12
